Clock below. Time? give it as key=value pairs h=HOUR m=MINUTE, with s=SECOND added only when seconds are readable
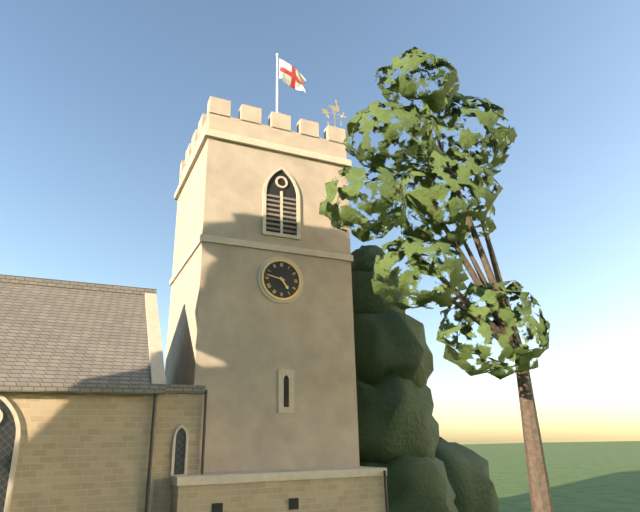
h=4 m=47
